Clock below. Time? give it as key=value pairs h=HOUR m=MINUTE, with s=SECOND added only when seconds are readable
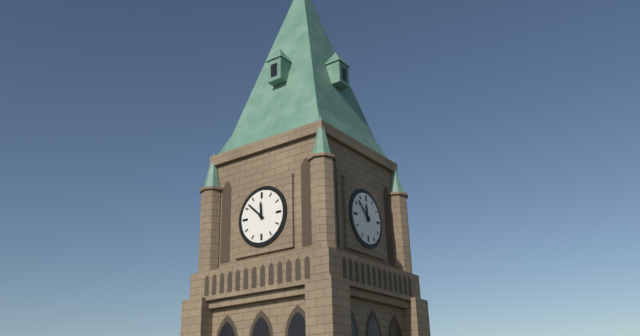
h=11 m=52
